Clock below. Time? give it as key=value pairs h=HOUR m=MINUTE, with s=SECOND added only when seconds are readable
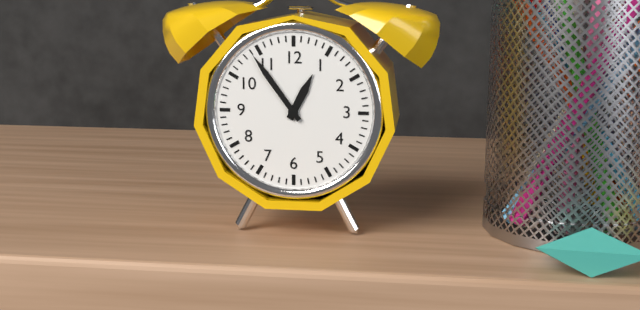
h=12 m=54
